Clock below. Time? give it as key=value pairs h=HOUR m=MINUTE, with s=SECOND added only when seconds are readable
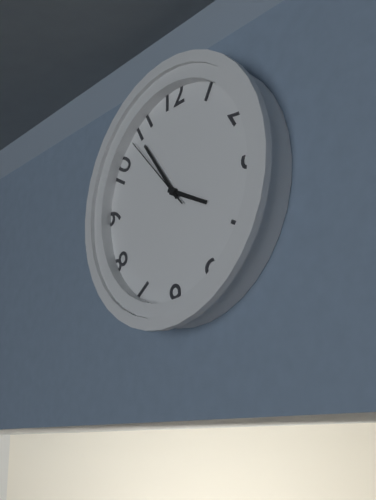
h=3 m=54 s=53
